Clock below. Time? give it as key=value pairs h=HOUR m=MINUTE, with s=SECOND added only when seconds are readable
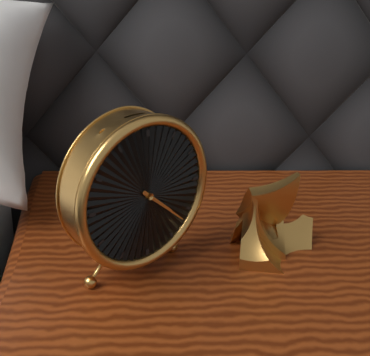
h=4 m=22
